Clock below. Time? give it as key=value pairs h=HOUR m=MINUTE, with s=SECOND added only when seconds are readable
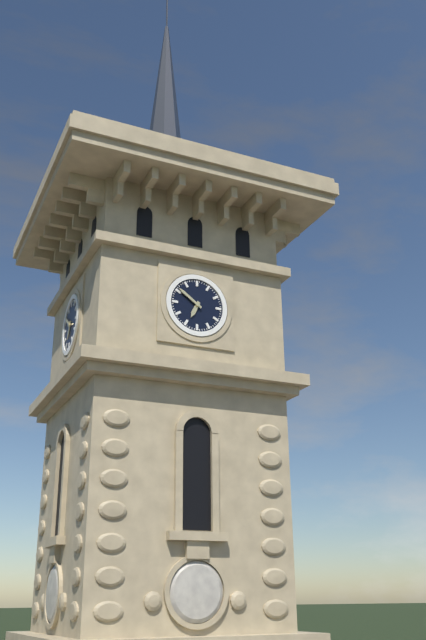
h=6 m=51
